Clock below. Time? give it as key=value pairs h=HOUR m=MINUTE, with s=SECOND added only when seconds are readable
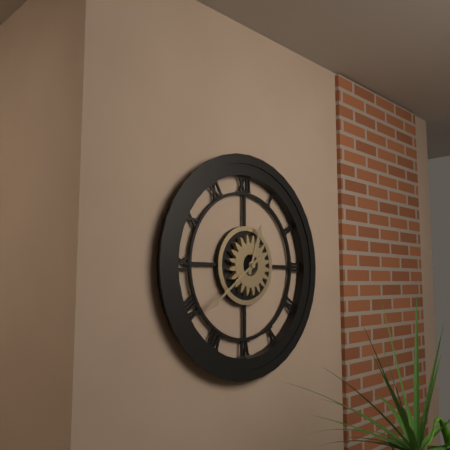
h=12 m=39
